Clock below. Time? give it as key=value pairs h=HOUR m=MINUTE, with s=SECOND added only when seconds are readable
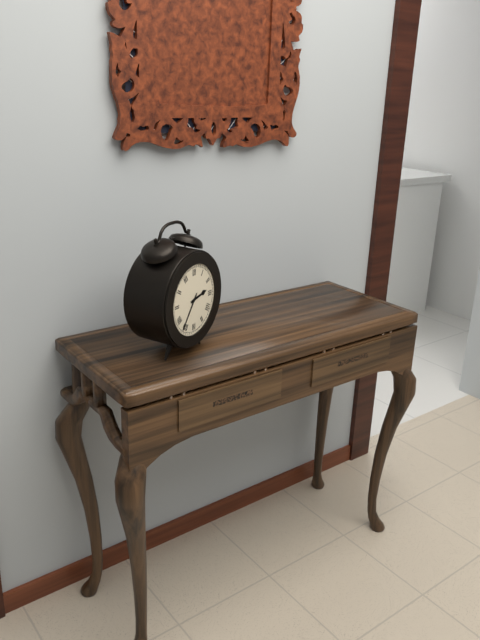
h=2 m=36
